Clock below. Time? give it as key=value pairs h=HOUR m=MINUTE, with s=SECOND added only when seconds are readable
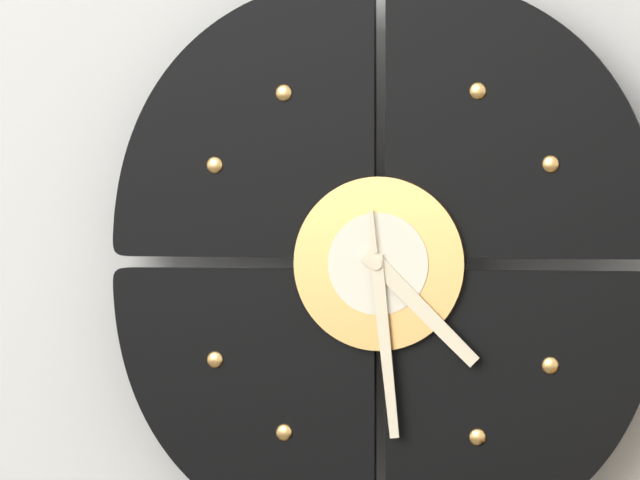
h=4 m=29
